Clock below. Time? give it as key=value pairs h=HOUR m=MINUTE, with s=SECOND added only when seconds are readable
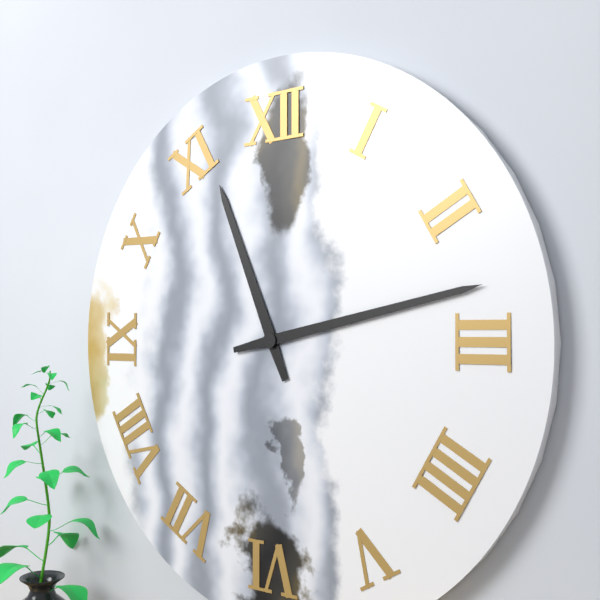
h=11 m=13
